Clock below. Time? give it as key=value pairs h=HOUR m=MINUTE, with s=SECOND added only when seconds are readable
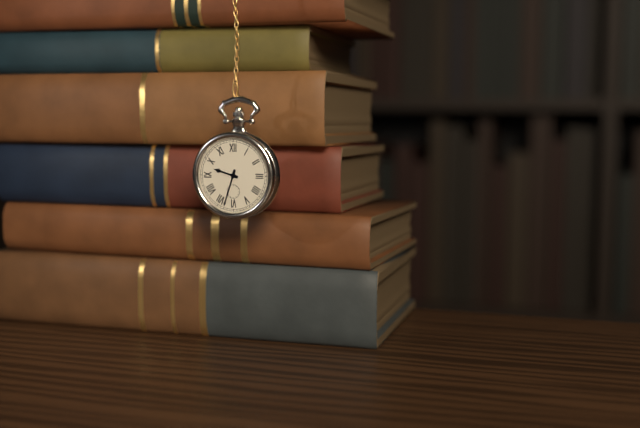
h=9 m=33
